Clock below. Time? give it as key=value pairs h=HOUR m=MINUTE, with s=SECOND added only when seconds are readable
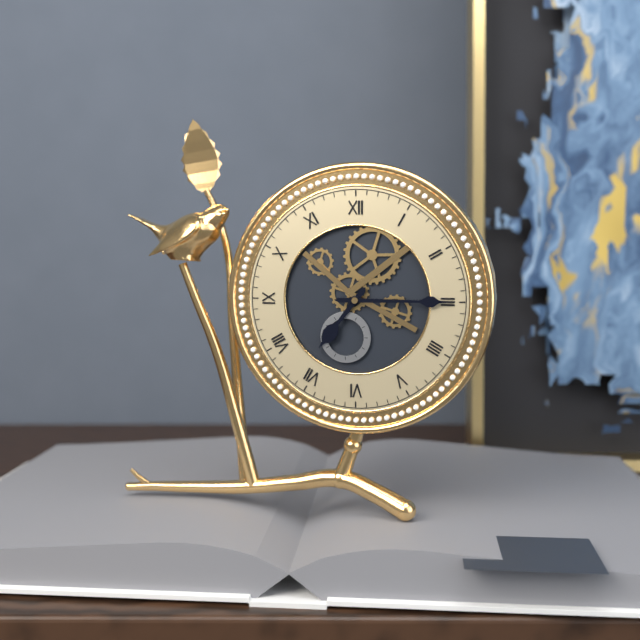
h=7 m=15
